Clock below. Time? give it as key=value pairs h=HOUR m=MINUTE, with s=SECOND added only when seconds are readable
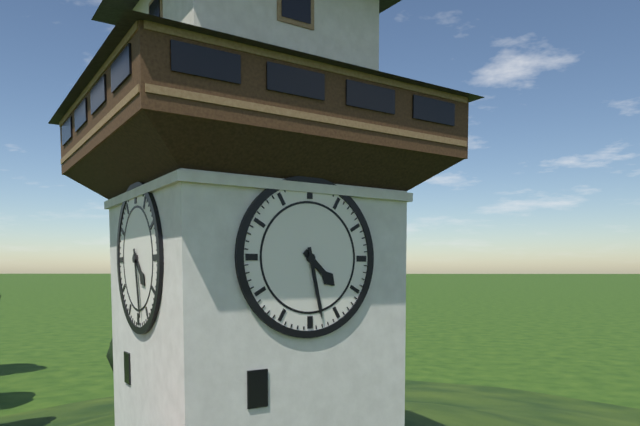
h=4 m=28
